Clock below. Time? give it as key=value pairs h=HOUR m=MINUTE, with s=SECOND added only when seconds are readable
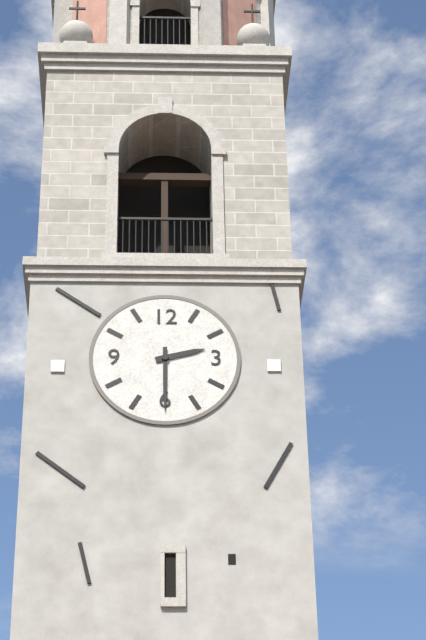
h=2 m=30
